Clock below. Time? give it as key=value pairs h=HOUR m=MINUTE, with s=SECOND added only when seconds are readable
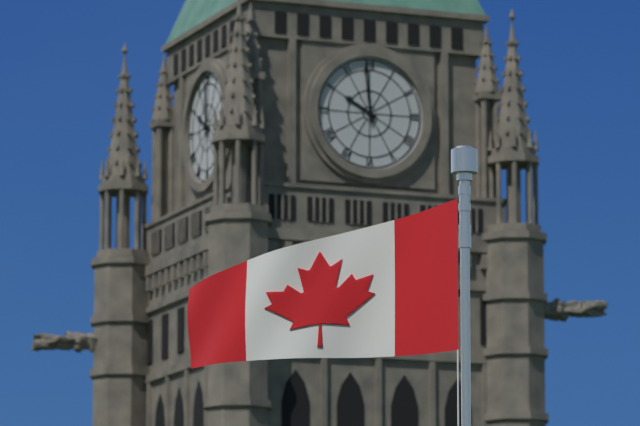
h=9 m=59
